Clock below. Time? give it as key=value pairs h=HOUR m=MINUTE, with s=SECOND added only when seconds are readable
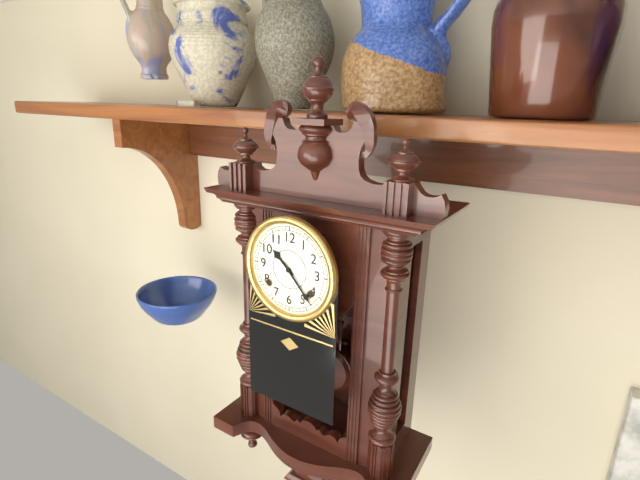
h=10 m=23
